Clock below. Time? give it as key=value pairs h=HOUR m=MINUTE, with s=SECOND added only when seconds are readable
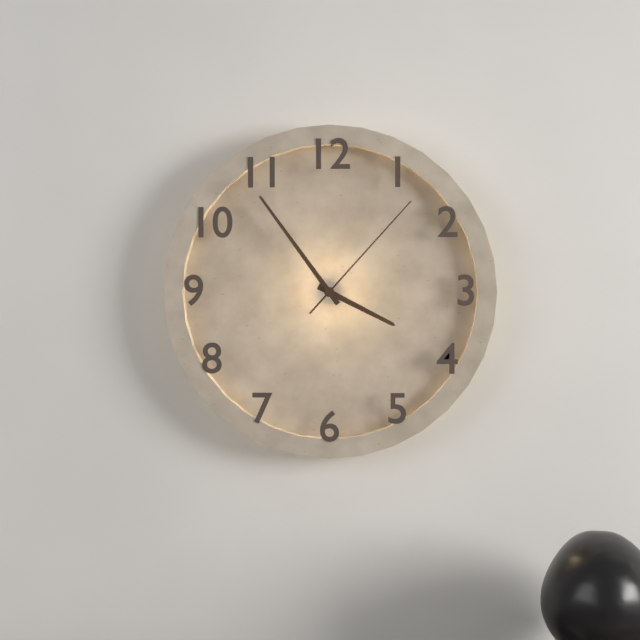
h=3 m=54 s=7
